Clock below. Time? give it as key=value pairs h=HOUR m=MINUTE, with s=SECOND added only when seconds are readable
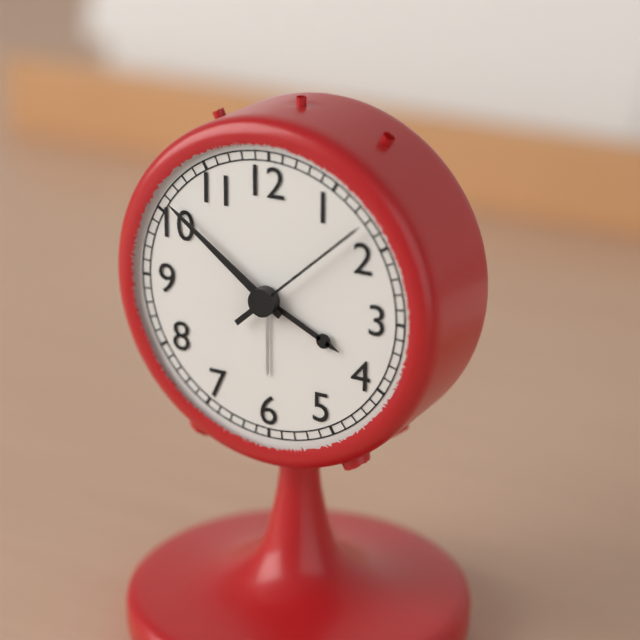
h=3 m=51 s=8
